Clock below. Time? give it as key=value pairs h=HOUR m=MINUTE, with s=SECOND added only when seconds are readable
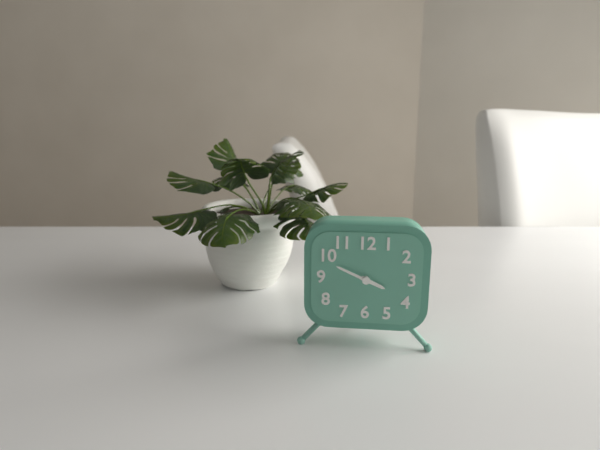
h=3 m=49
